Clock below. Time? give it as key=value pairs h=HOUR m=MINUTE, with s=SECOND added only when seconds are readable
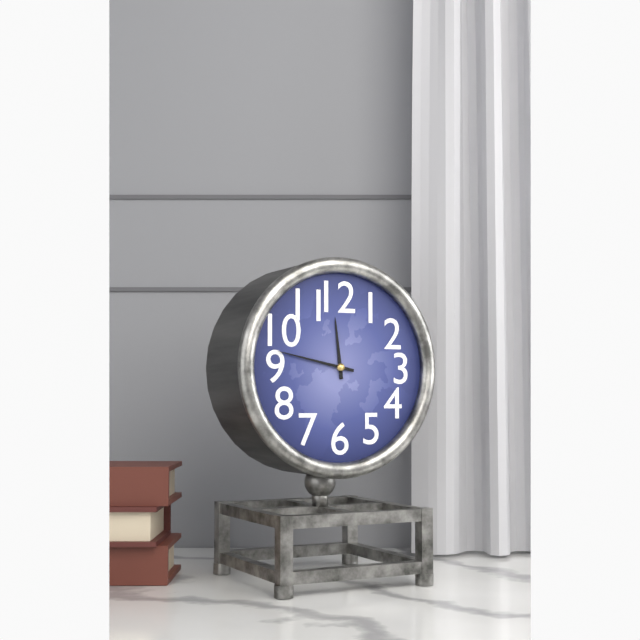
h=11 m=47
